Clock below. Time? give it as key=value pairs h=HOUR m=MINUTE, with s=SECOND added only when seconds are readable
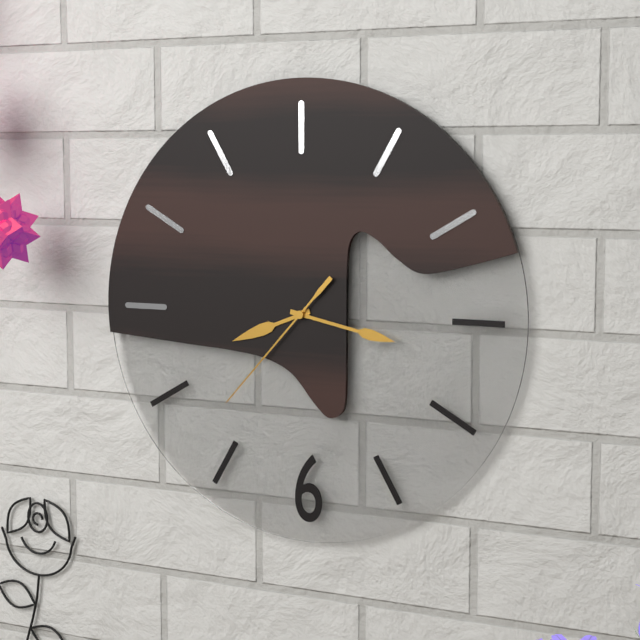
h=8 m=17 s=37
